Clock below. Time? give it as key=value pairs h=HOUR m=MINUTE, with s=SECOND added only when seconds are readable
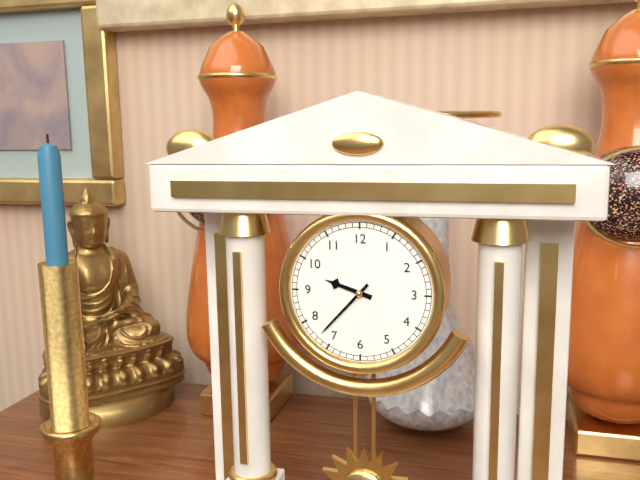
h=9 m=37
